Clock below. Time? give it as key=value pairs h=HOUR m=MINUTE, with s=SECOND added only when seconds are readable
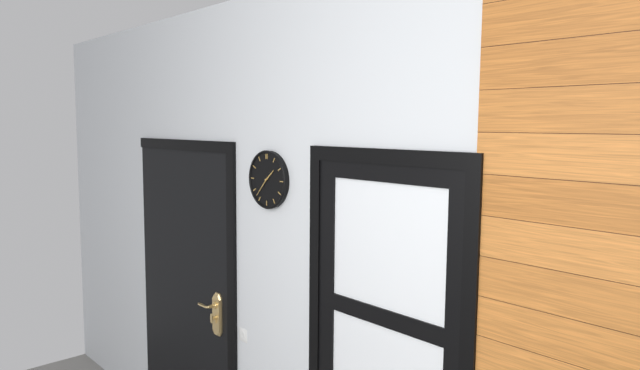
h=1 m=37
